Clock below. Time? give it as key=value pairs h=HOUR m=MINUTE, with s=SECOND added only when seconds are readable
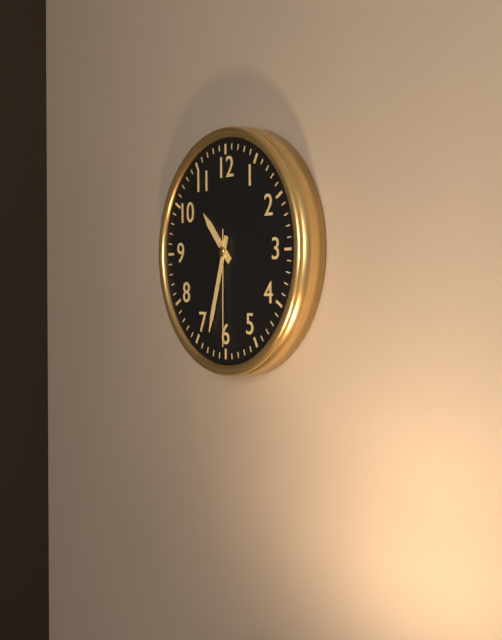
h=10 m=33 s=30
